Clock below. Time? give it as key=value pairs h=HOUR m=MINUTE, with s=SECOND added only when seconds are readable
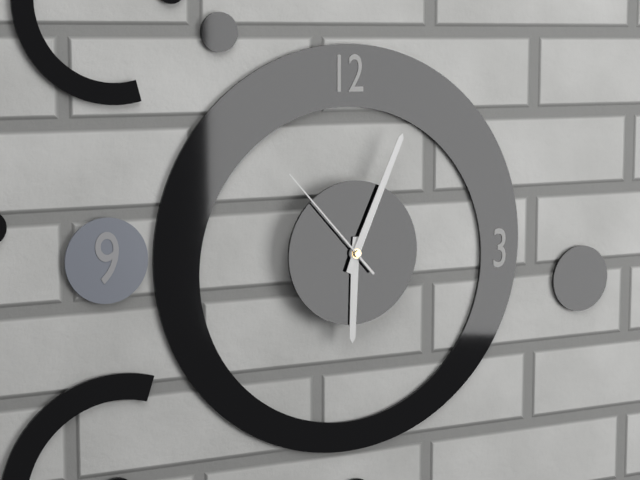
h=6 m=4 s=53
